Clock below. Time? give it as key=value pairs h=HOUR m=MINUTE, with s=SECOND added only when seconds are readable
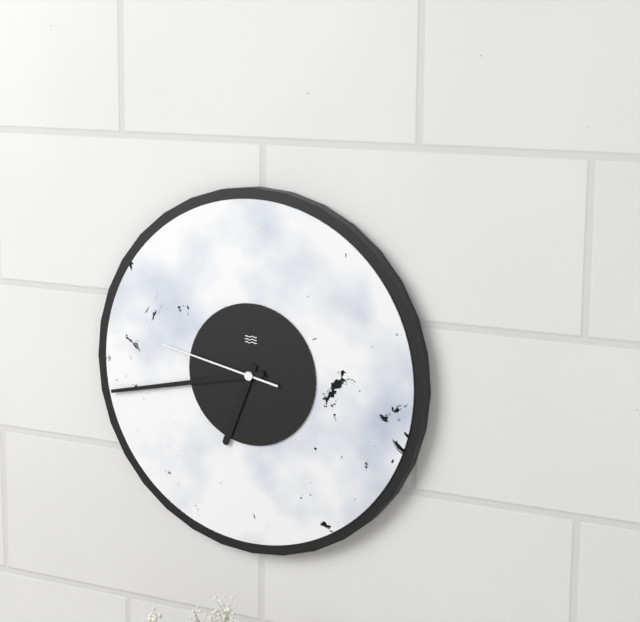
h=6 m=43 s=47
